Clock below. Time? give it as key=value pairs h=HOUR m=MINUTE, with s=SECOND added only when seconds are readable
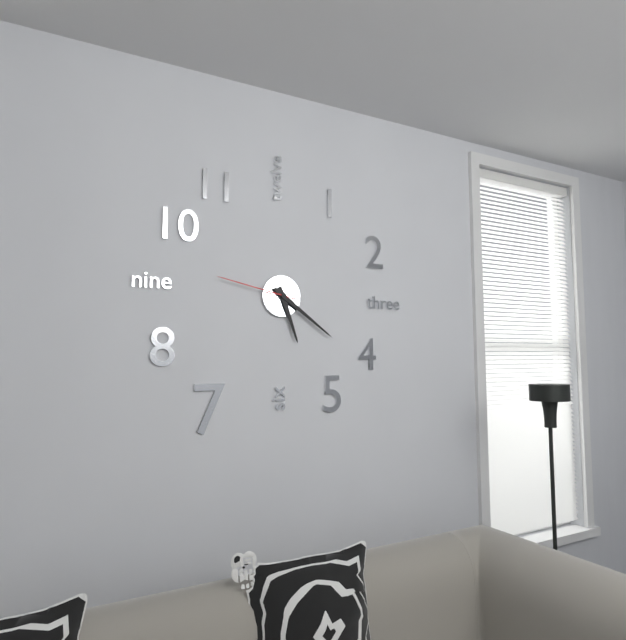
h=5 m=21 s=47
